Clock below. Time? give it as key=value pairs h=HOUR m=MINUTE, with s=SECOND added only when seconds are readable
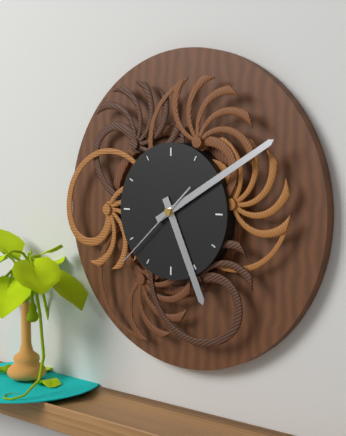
h=5 m=10 s=38
